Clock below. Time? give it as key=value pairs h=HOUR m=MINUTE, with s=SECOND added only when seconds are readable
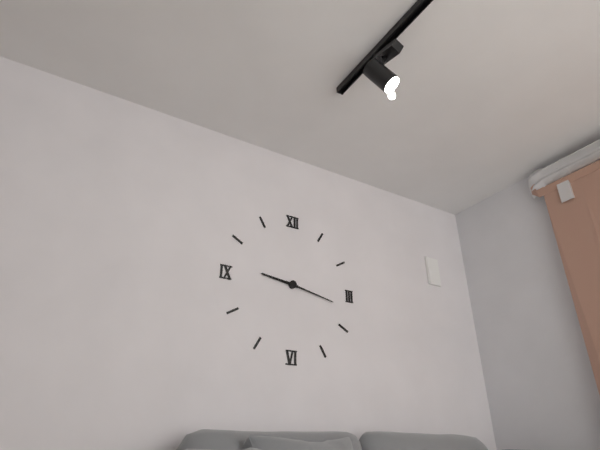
h=9 m=17
